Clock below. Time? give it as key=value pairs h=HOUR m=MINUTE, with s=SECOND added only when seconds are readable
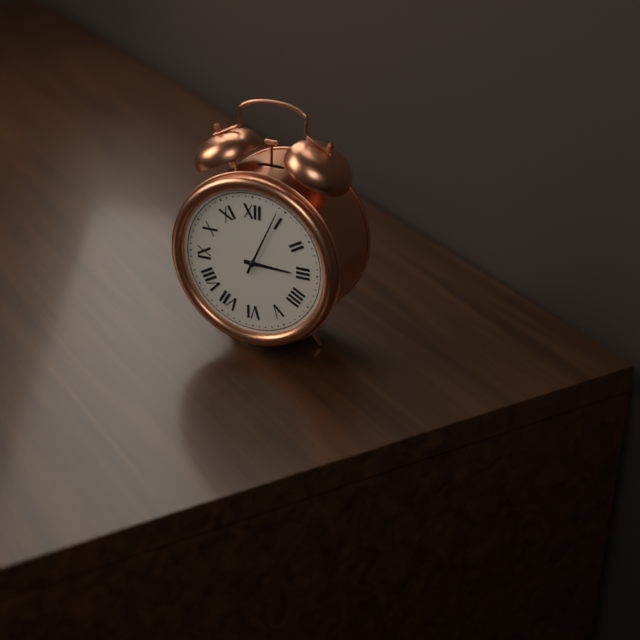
h=3 m=4
